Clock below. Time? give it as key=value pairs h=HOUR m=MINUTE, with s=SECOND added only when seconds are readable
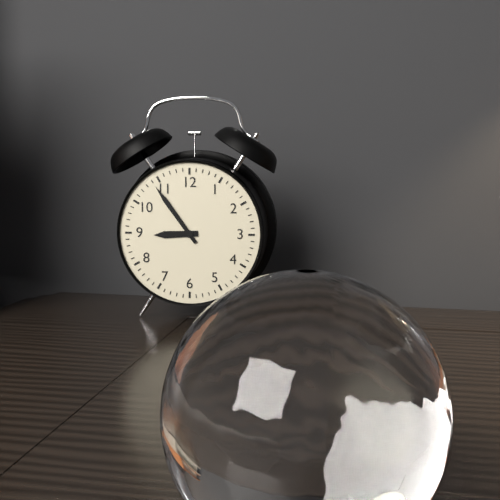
h=8 m=54
